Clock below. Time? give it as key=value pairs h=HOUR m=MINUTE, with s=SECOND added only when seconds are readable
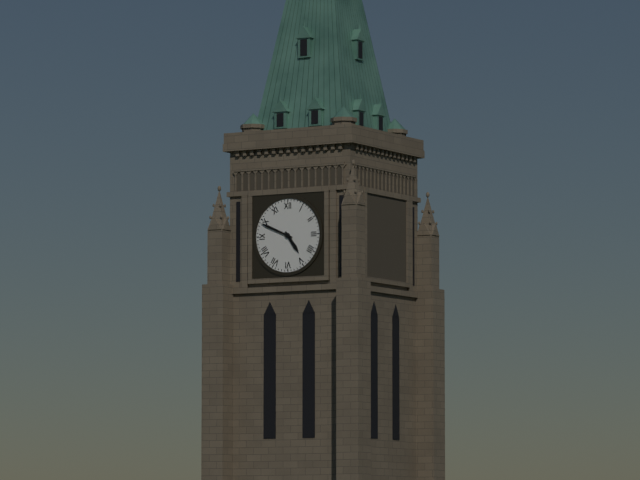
h=4 m=49
